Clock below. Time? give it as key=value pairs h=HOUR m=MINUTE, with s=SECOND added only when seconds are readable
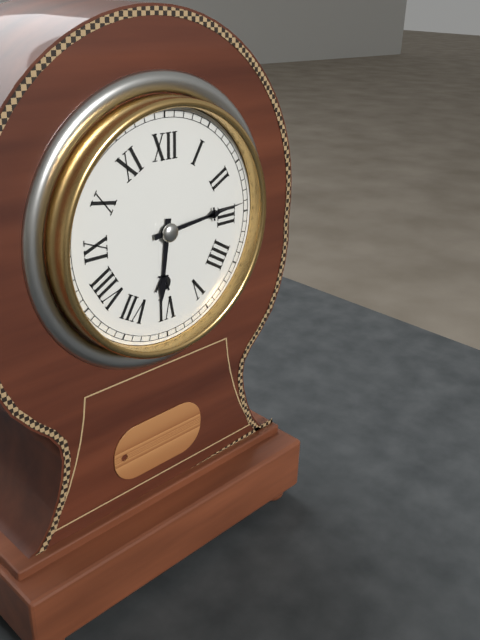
h=6 m=14
